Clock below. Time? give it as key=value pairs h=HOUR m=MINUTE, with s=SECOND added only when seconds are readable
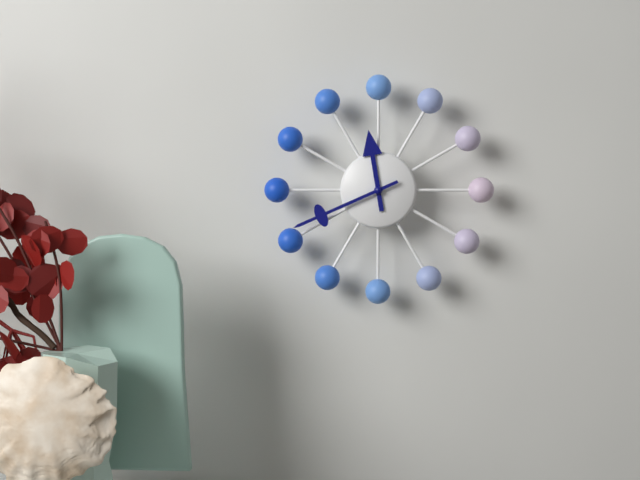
h=11 m=41
